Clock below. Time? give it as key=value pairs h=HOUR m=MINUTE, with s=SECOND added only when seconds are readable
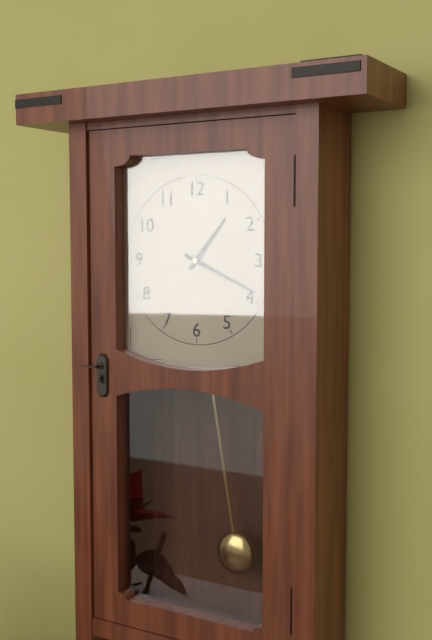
h=1 m=19
